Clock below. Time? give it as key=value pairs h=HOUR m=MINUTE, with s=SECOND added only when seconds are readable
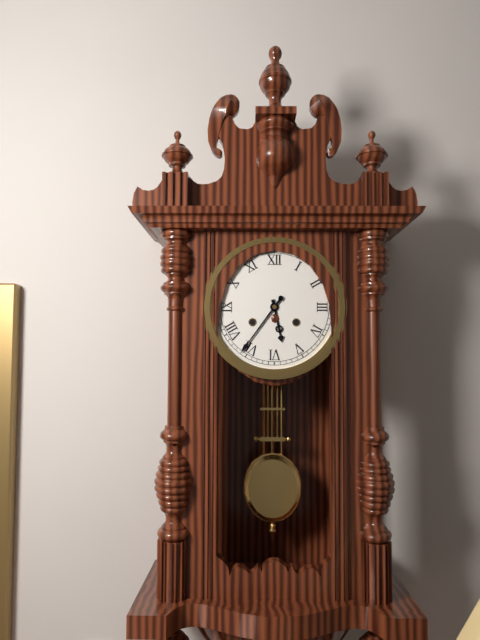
h=5 m=36
